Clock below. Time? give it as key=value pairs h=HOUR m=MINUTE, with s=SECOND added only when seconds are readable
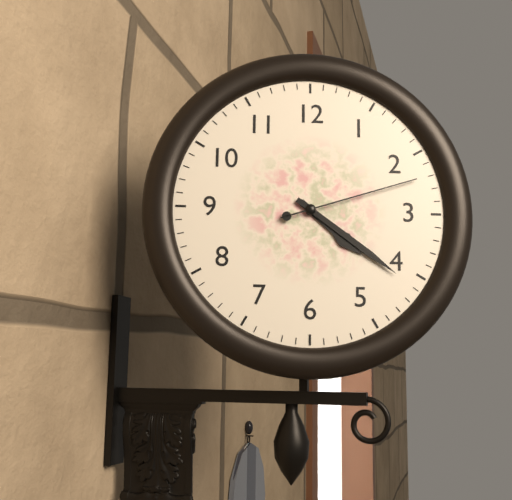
h=4 m=21 s=12
